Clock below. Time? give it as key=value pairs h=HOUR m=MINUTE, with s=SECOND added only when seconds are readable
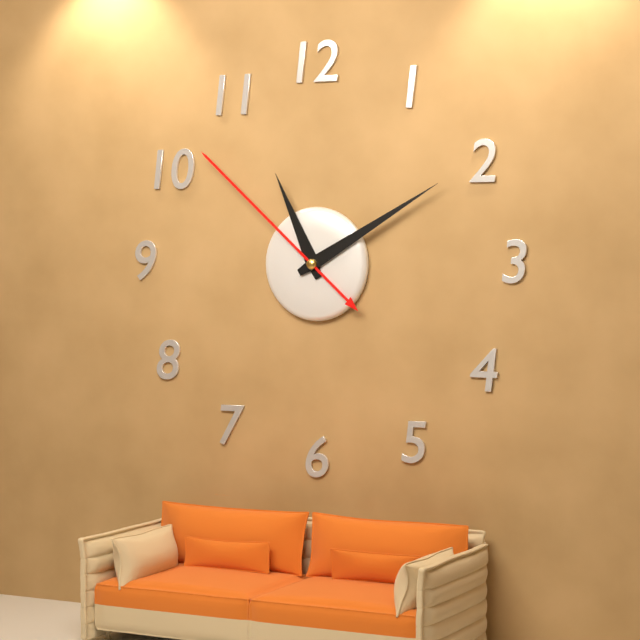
h=11 m=10 s=52
